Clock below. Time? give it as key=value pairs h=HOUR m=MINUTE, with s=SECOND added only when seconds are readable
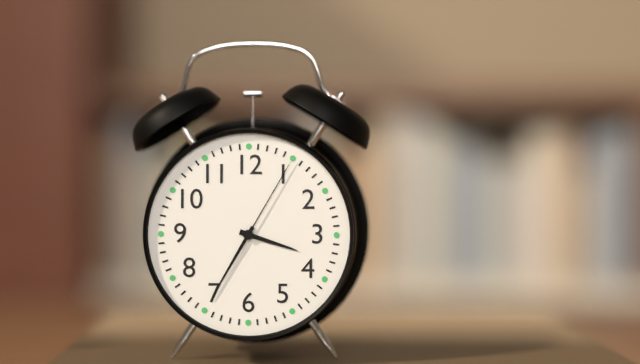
h=3 m=35 s=5
